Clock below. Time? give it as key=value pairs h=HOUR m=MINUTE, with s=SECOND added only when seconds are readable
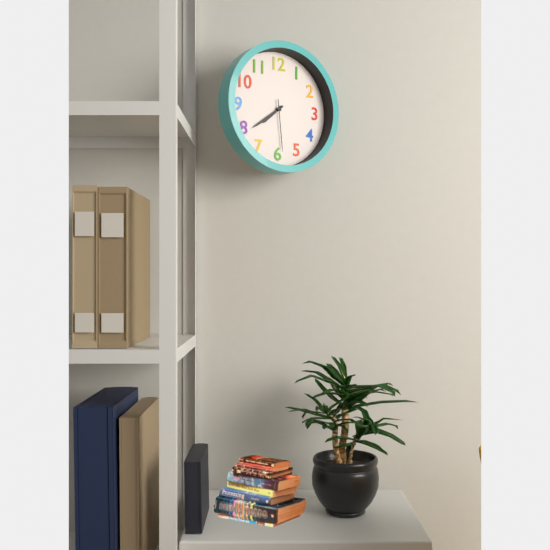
h=7 m=39 s=29
